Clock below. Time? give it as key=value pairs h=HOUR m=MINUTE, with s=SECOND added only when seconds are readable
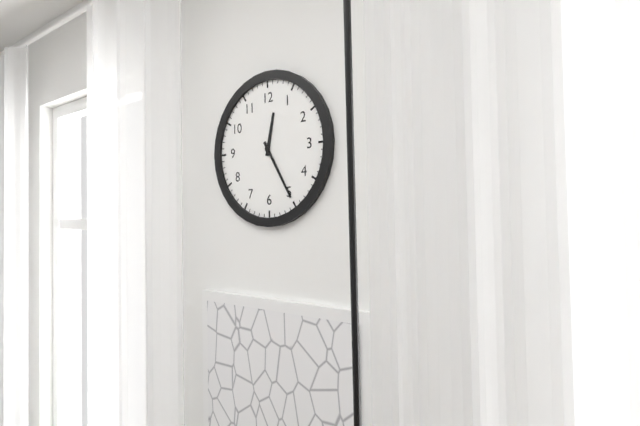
h=12 m=25
